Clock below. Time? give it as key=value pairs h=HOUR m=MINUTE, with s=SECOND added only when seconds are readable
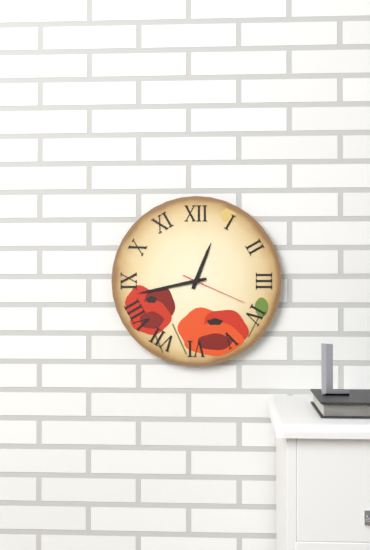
h=12 m=43 s=19
